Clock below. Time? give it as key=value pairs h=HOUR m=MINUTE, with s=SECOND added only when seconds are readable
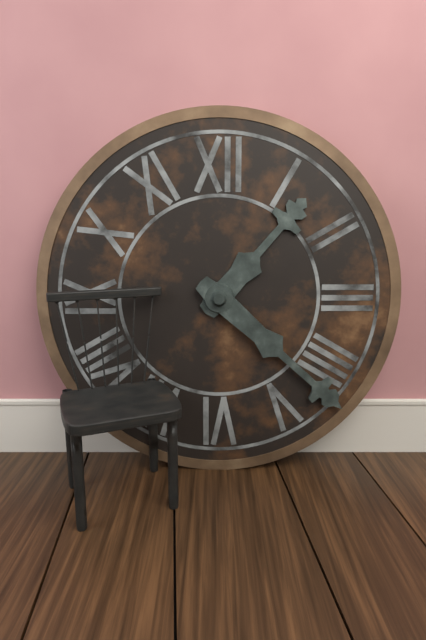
h=1 m=22
